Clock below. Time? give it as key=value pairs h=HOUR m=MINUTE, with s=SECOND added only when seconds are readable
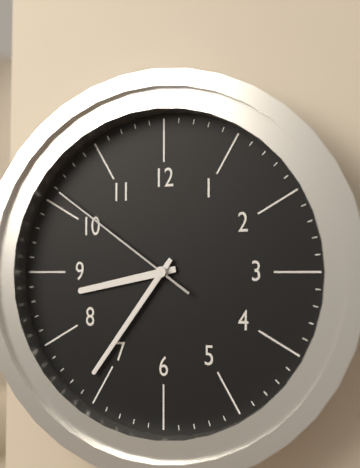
h=8 m=36 s=51
